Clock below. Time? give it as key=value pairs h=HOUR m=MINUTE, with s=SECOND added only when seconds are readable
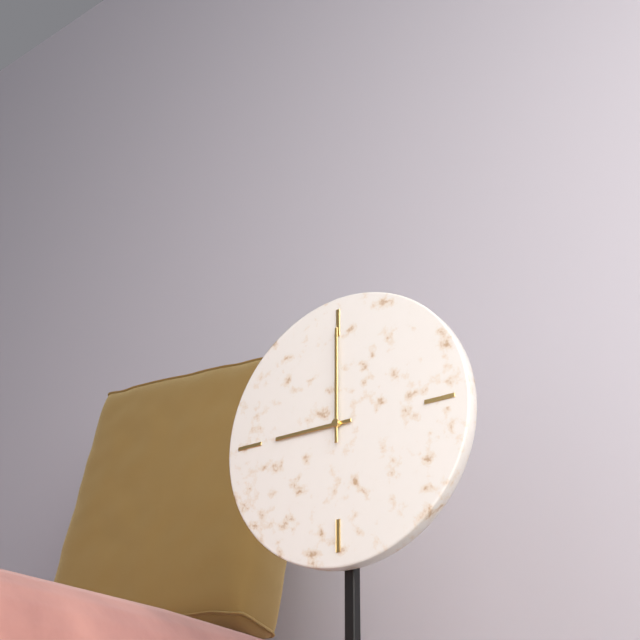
h=9 m=0
